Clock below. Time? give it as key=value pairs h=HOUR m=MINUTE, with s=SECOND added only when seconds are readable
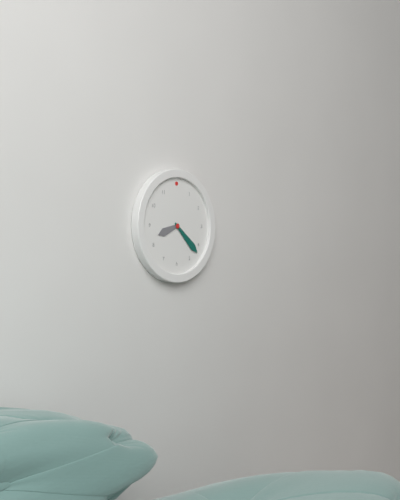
h=8 m=22
